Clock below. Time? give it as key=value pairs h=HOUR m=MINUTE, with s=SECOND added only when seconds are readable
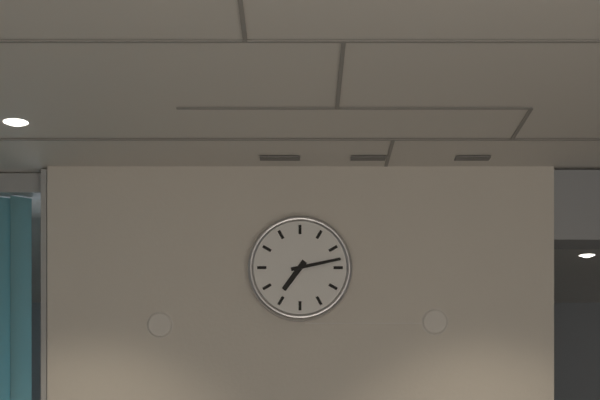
h=7 m=13
